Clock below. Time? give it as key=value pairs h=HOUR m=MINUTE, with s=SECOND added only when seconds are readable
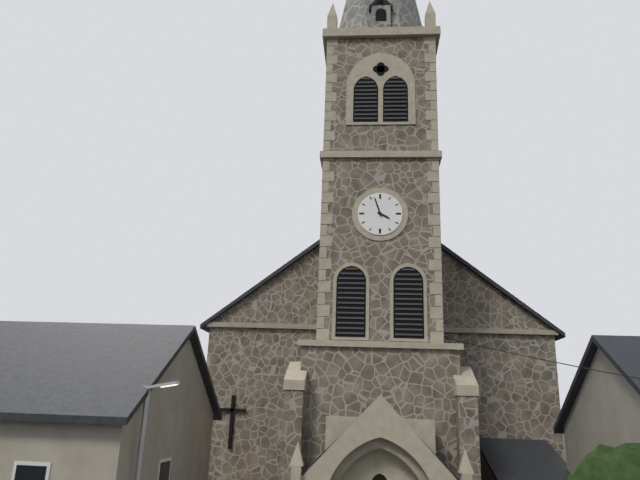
h=3 m=57
